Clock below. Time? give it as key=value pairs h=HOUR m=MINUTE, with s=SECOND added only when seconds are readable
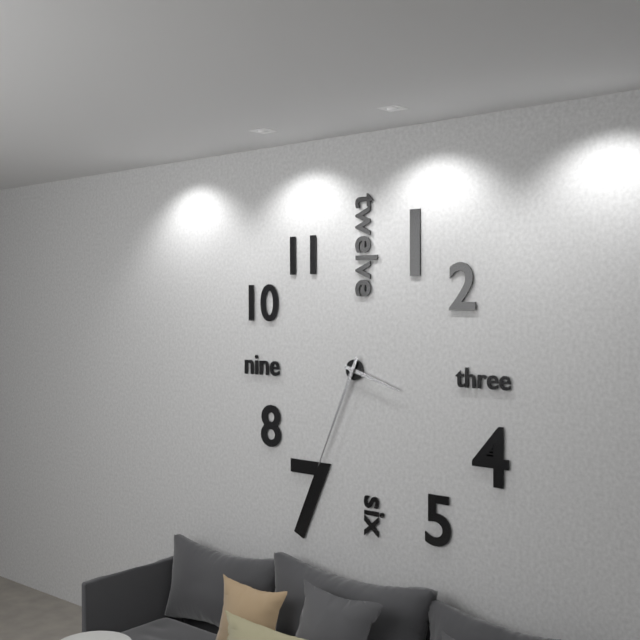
h=3 m=34
